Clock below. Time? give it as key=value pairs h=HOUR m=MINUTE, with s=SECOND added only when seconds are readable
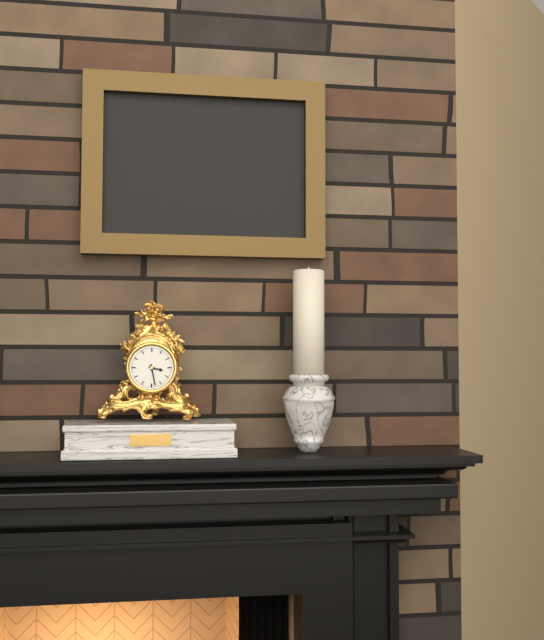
h=3 m=28
